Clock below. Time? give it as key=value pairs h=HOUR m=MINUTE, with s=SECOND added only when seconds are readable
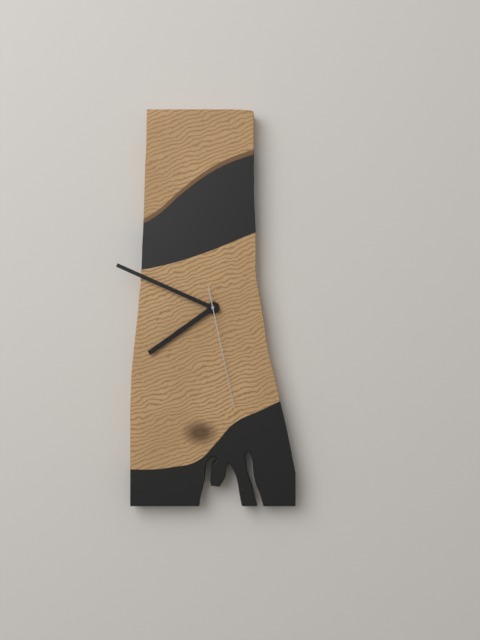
h=7 m=49 s=28
